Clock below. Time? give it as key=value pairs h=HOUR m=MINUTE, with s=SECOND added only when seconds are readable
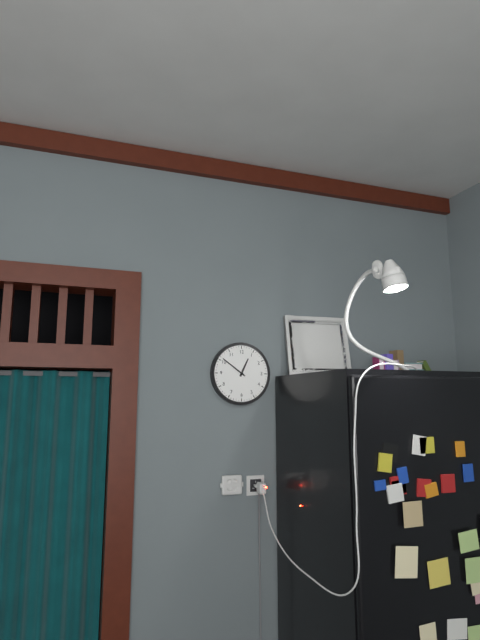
h=12 m=51
